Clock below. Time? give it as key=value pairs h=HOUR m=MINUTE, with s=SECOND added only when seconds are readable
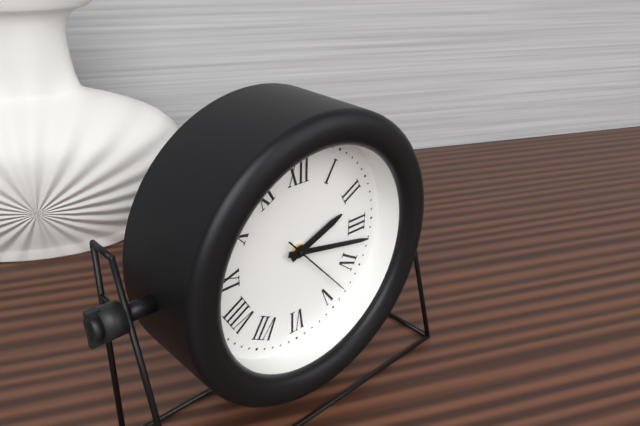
h=2 m=17 s=23
